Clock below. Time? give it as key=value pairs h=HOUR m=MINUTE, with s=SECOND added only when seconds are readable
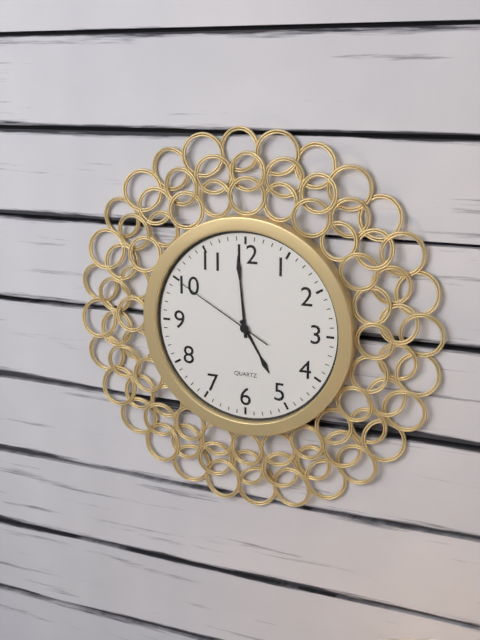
h=4 m=59 s=50
